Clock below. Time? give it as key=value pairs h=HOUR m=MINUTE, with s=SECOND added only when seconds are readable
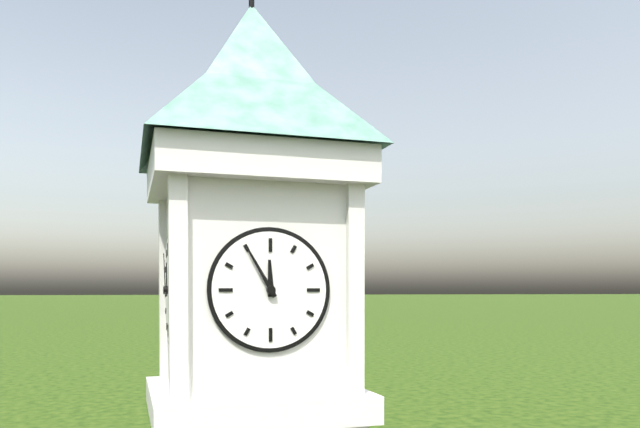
h=11 m=55
